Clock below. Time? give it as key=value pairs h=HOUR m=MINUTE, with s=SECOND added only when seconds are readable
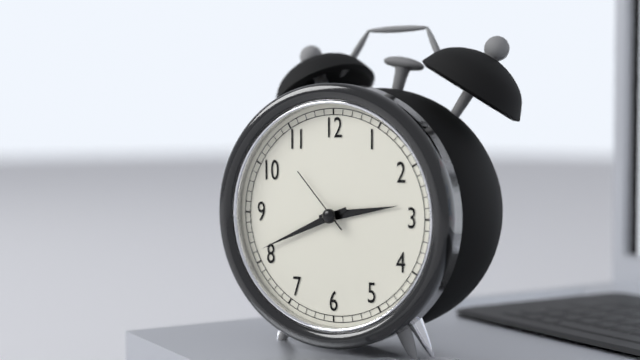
h=2 m=41 s=53
